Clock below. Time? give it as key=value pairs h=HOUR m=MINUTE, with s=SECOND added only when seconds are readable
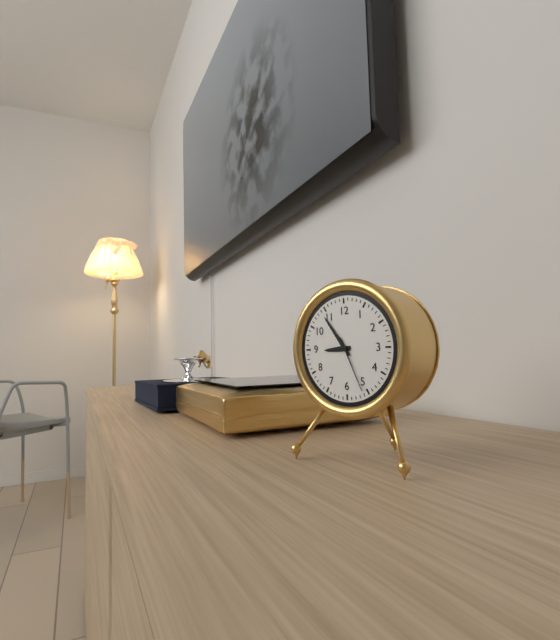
h=8 m=54 s=26
